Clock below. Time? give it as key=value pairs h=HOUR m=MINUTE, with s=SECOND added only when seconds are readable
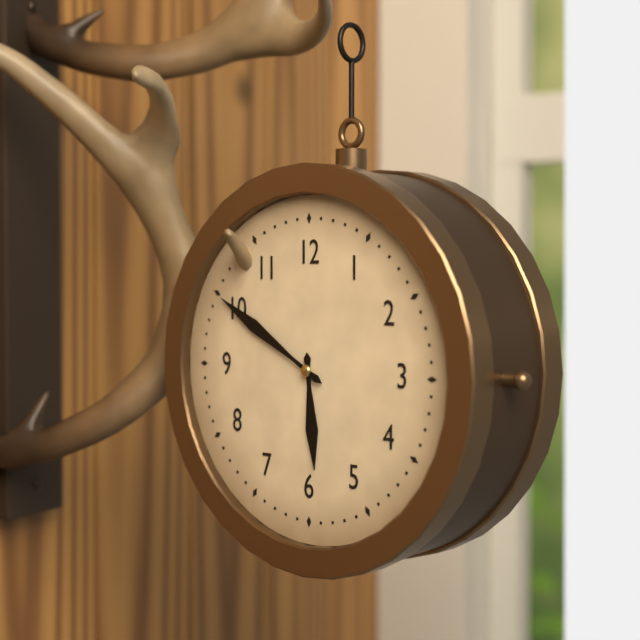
h=5 m=50
